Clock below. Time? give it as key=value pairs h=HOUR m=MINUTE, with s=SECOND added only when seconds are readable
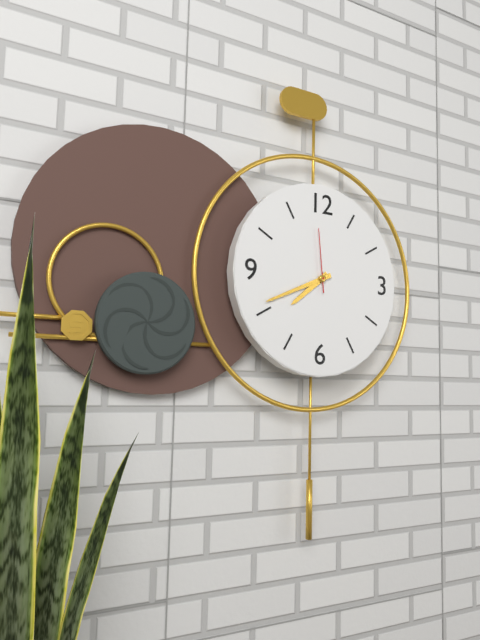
h=7 m=41 s=59
